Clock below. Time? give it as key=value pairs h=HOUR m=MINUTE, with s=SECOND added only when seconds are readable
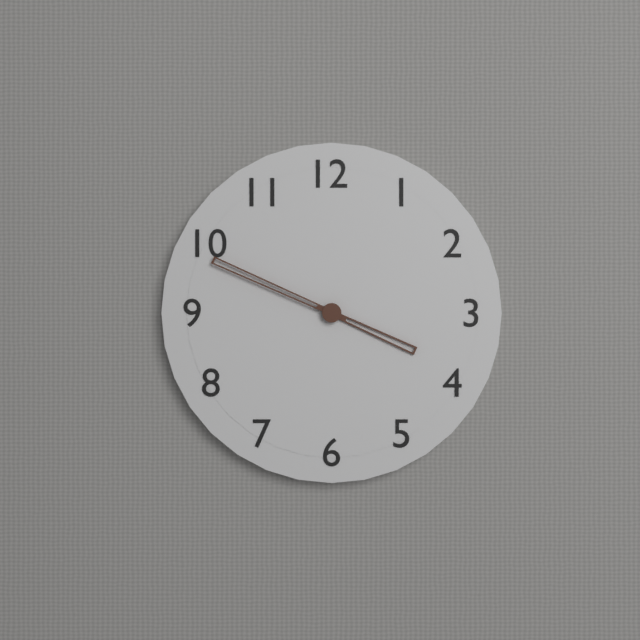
h=3 m=49
